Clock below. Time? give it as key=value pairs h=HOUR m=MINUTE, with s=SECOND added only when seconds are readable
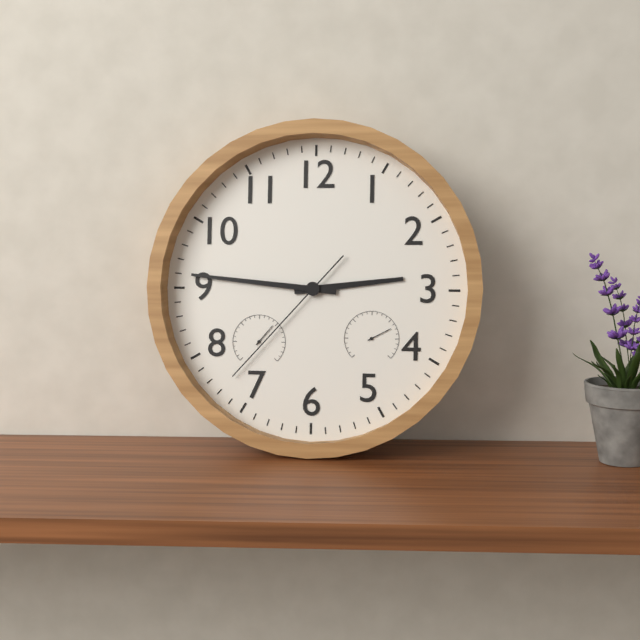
h=2 m=46 s=37
